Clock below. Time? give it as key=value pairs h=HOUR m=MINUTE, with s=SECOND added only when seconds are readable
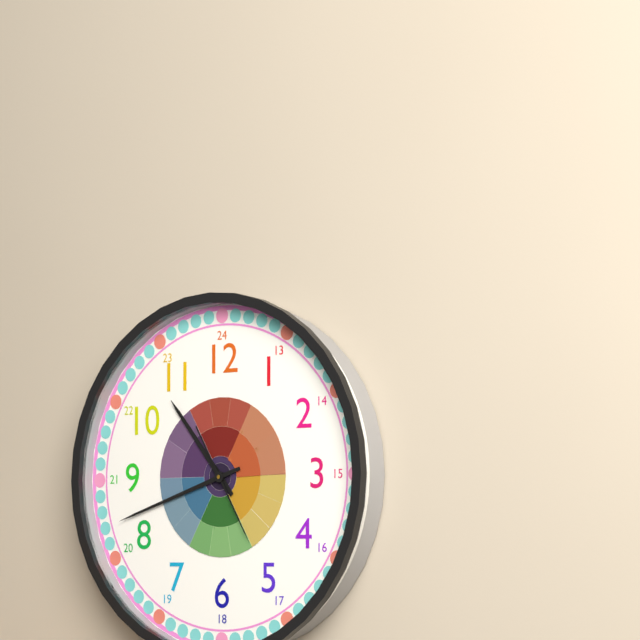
h=10 m=42 s=25
